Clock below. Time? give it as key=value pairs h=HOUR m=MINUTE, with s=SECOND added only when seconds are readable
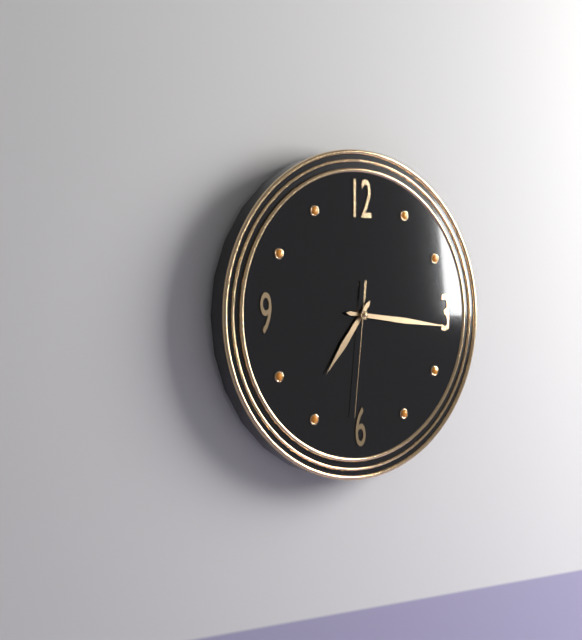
h=7 m=16 s=31
